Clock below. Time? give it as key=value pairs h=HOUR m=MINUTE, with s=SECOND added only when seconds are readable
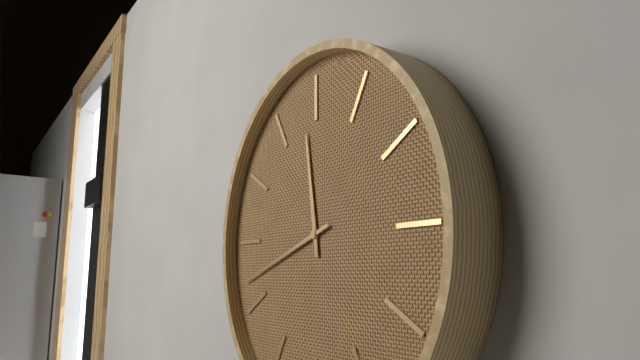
h=11 m=42
